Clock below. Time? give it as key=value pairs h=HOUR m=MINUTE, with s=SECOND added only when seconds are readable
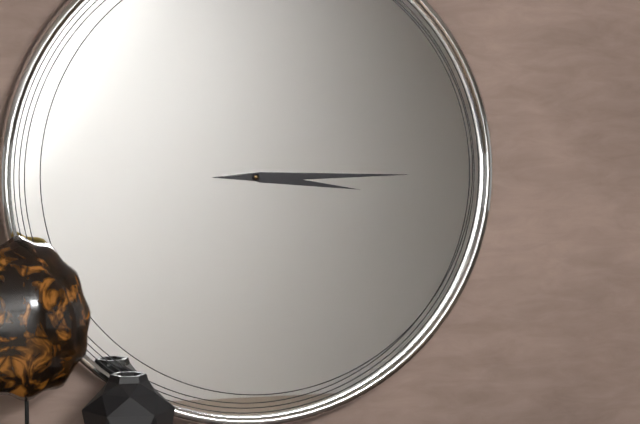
h=3 m=15
